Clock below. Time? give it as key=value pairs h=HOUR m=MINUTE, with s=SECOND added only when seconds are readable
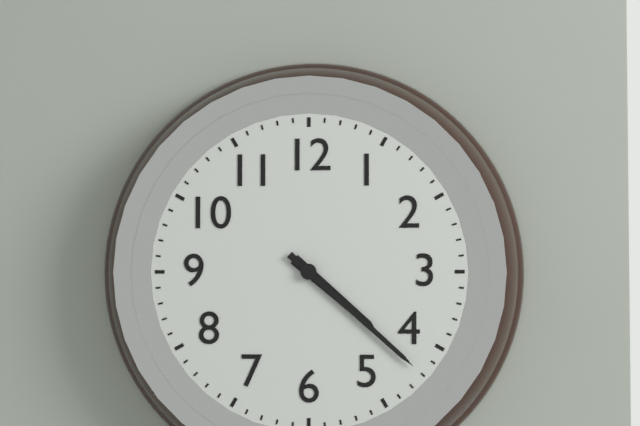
h=4 m=22
